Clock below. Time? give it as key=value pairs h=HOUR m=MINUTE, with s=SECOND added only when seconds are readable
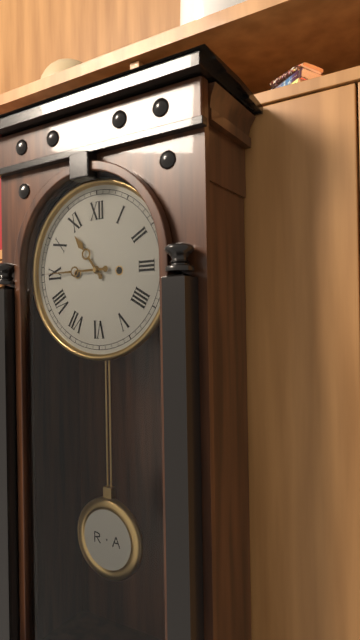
h=10 m=45
